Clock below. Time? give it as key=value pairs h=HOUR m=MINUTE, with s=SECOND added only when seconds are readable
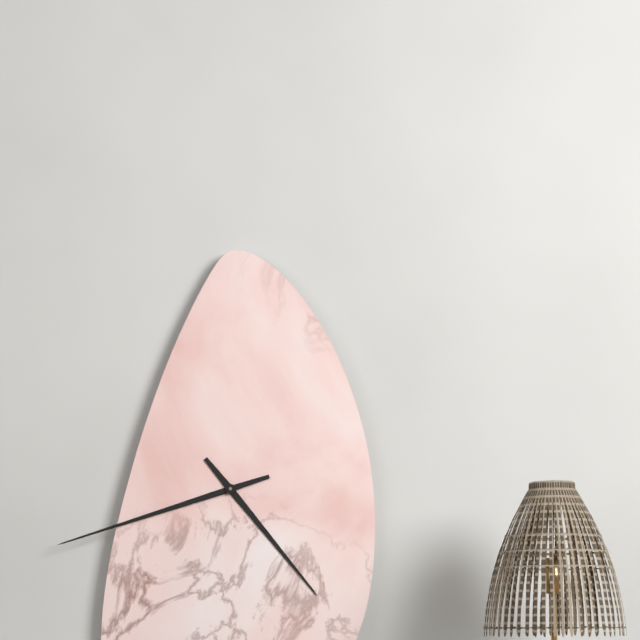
h=4 m=42
